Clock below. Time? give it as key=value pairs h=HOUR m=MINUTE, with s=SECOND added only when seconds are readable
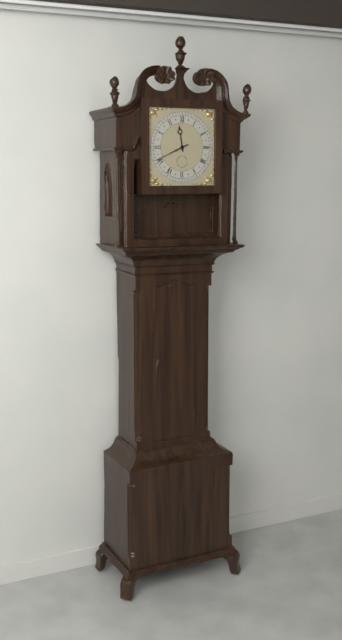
h=11 m=41
